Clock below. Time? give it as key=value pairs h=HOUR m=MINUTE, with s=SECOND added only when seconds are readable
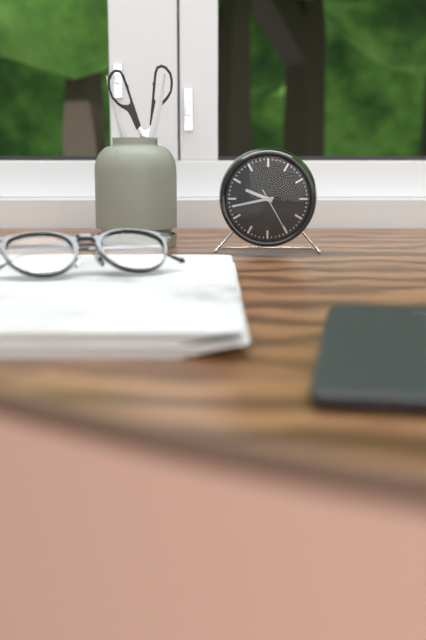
h=9 m=43
